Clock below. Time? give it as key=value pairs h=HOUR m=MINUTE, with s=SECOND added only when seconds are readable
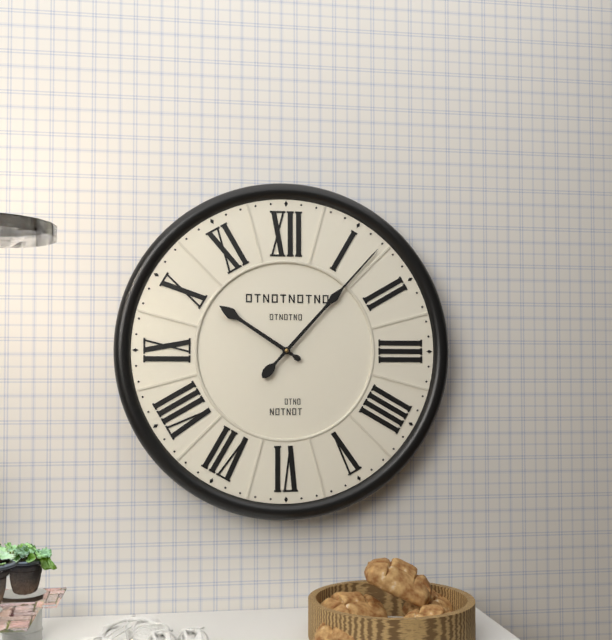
h=10 m=7
